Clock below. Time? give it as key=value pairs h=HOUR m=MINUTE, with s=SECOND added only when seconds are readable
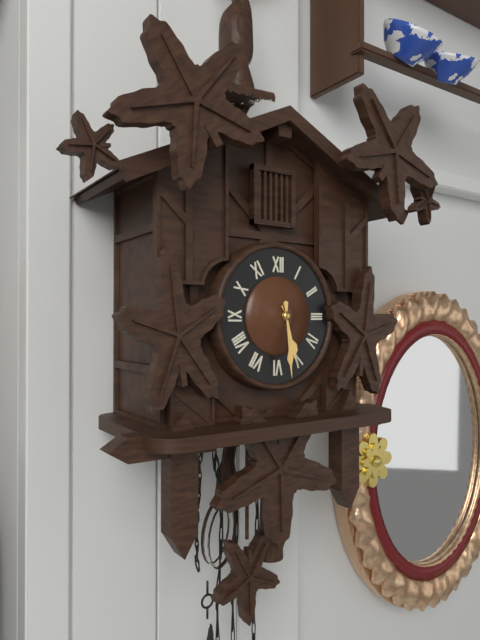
h=5 m=29
